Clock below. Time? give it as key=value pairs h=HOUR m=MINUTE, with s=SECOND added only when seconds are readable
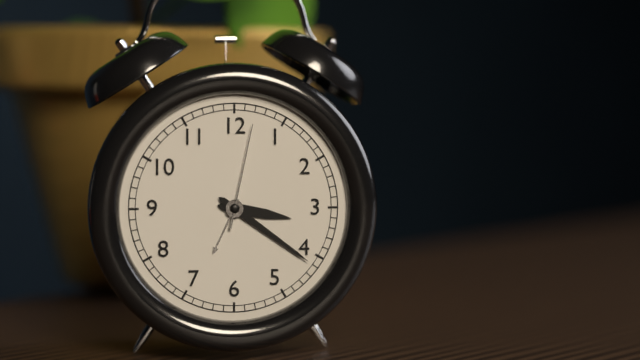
h=3 m=21 s=2
